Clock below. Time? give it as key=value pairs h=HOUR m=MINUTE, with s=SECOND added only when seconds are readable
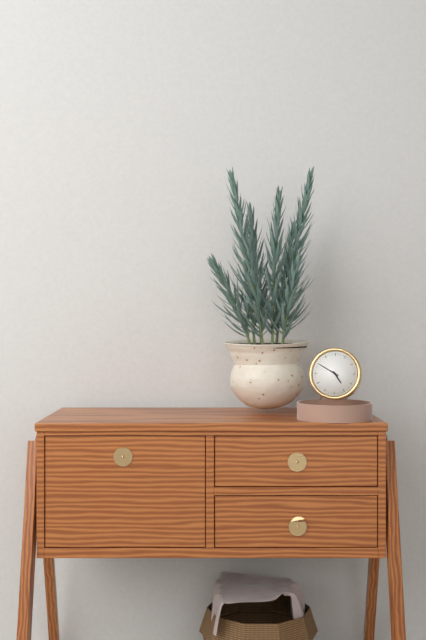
h=4 m=50
